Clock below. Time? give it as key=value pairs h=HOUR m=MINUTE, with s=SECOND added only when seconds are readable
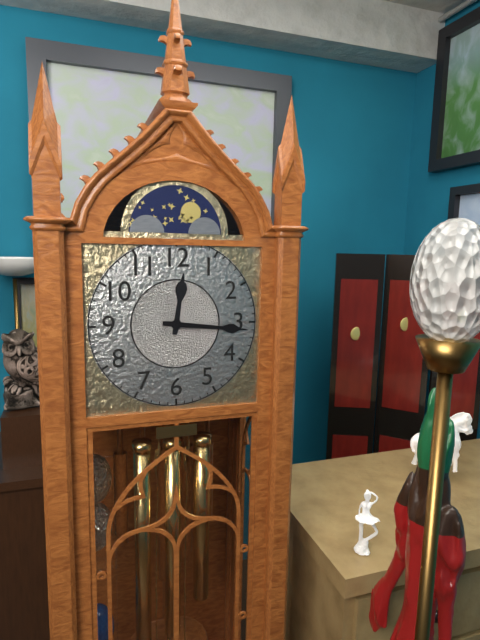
h=12 m=16
